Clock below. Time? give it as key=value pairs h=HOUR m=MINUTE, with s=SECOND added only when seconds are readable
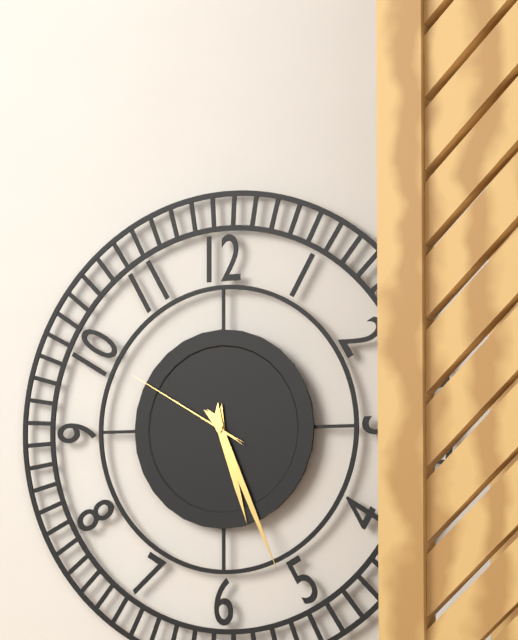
h=5 m=26 s=50
